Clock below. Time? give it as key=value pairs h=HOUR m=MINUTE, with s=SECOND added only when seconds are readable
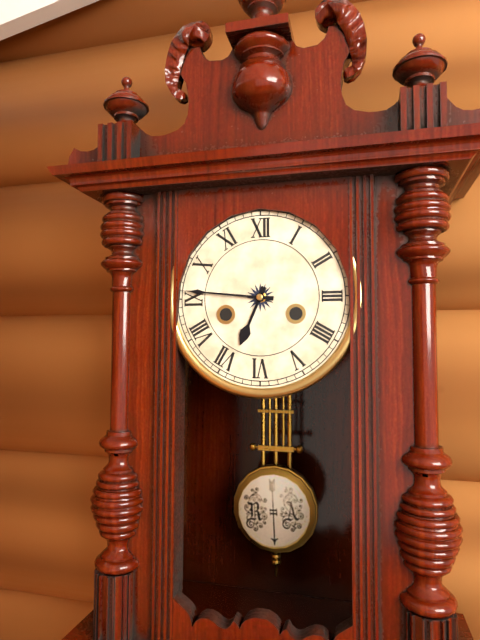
h=6 m=46
